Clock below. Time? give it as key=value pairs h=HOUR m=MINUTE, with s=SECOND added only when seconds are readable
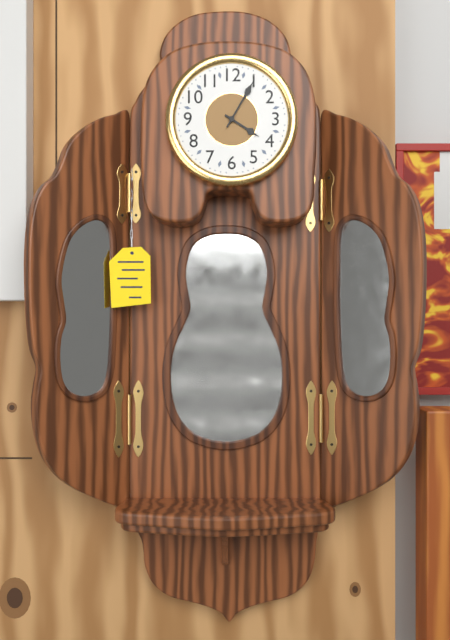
h=4 m=5
